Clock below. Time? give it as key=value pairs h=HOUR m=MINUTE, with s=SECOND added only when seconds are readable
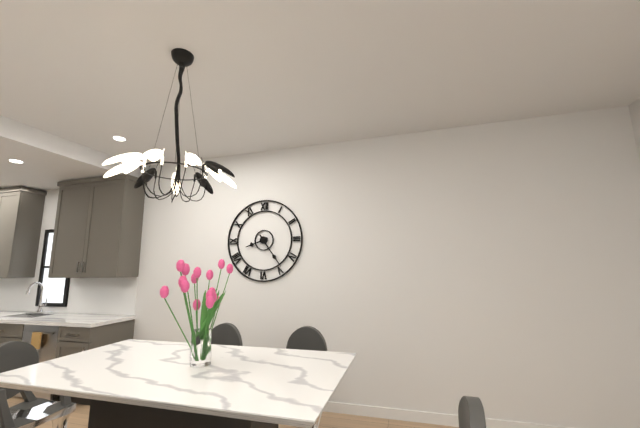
h=8 m=24
